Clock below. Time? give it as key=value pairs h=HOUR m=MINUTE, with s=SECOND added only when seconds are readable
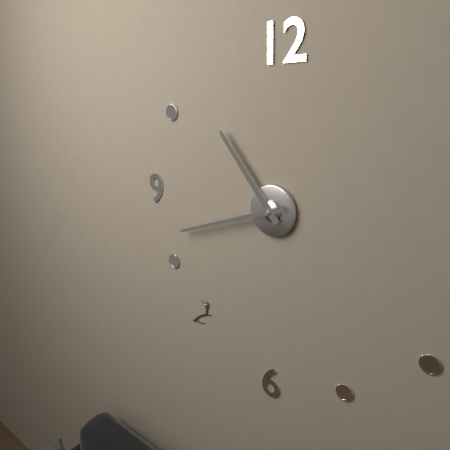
h=10 m=42
